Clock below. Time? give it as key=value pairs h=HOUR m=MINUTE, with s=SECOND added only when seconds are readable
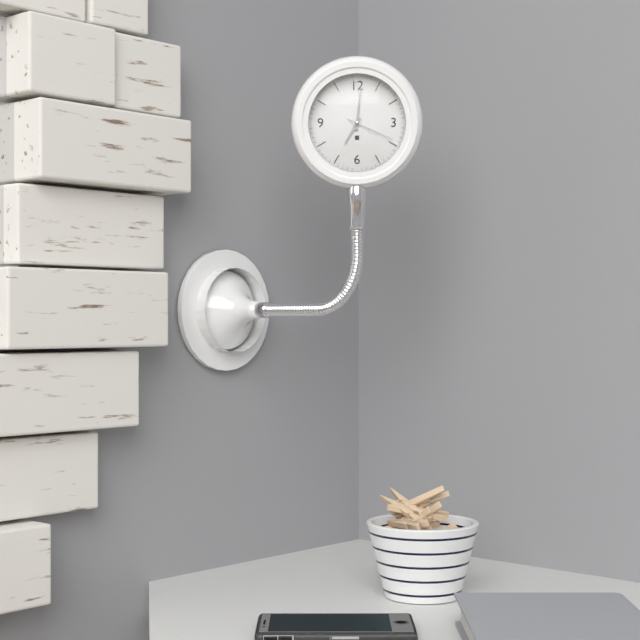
h=7 m=1
